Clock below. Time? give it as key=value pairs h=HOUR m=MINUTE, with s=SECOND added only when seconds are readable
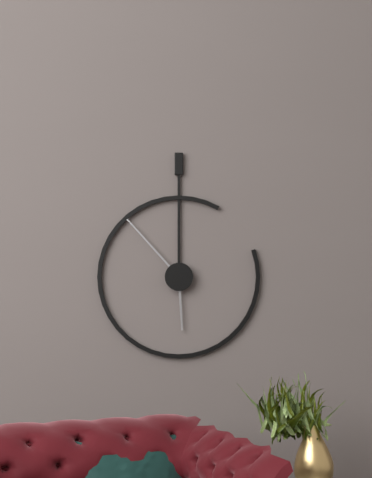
h=5 m=53
